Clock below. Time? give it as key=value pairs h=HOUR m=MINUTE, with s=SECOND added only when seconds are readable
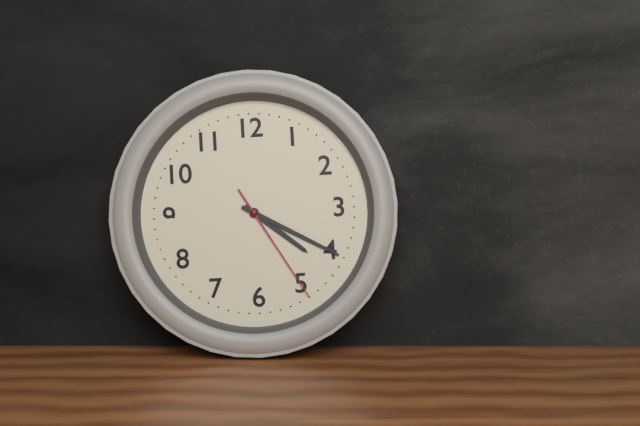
h=4 m=20 s=25
